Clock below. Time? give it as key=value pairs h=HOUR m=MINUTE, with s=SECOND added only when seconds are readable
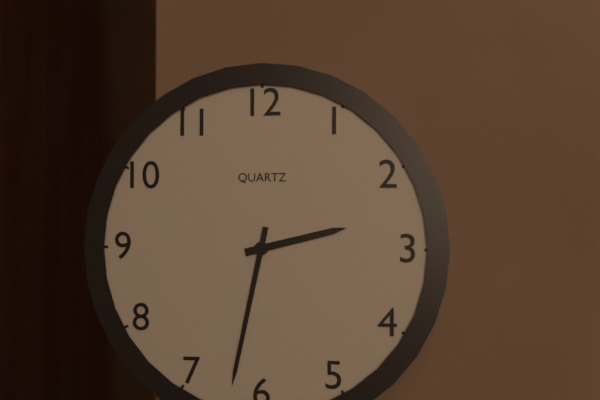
h=2 m=32
